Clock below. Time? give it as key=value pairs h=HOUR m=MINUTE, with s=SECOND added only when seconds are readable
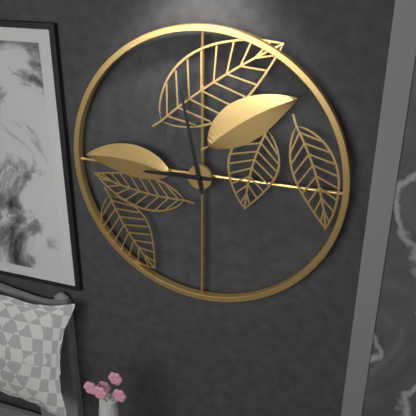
h=8 m=58
